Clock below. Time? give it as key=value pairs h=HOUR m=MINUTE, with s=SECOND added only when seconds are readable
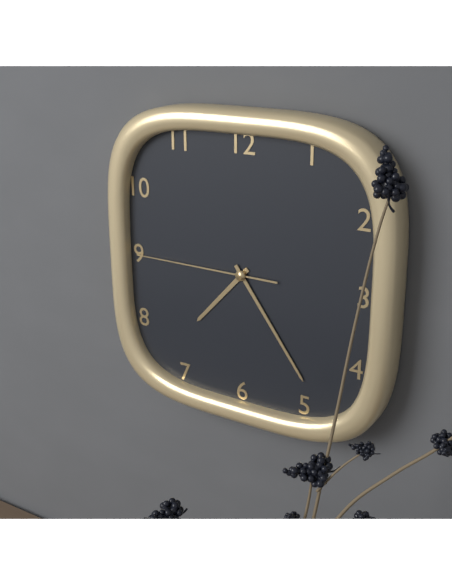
h=7 m=24 s=45
